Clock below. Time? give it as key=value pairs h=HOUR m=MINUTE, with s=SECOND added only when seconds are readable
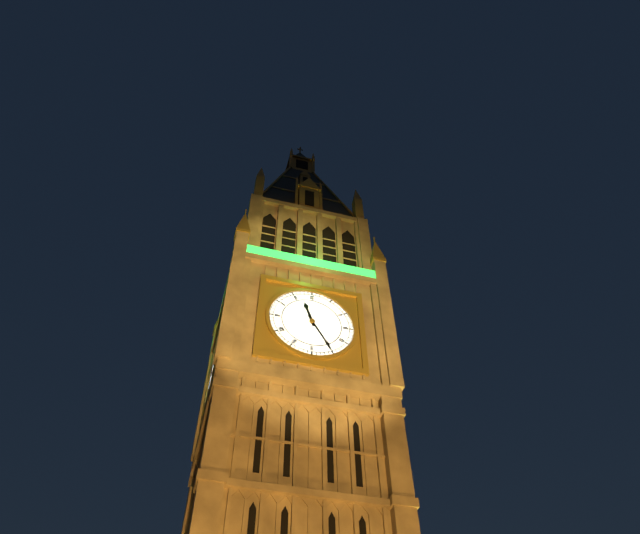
h=11 m=25
